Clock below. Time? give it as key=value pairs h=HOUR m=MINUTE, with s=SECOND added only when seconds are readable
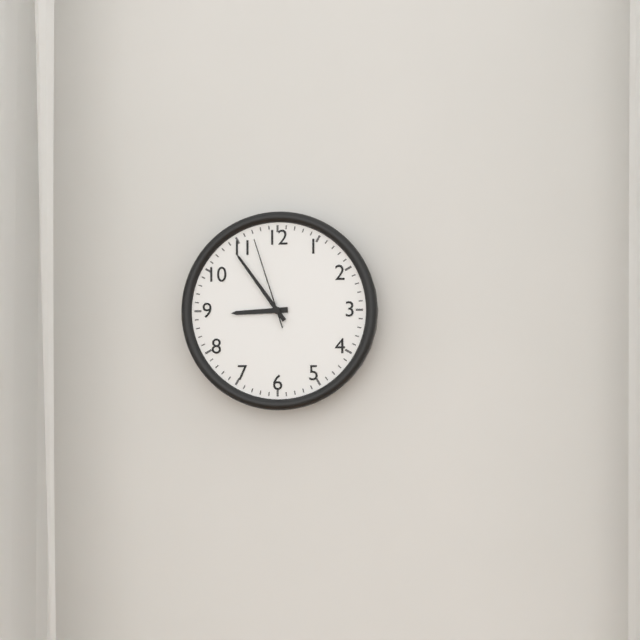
h=8 m=54 s=57
